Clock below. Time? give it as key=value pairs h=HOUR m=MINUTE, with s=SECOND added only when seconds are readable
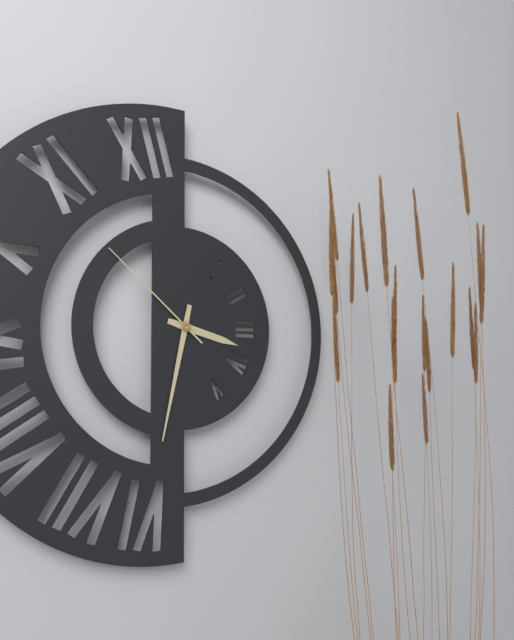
h=3 m=32 s=52
